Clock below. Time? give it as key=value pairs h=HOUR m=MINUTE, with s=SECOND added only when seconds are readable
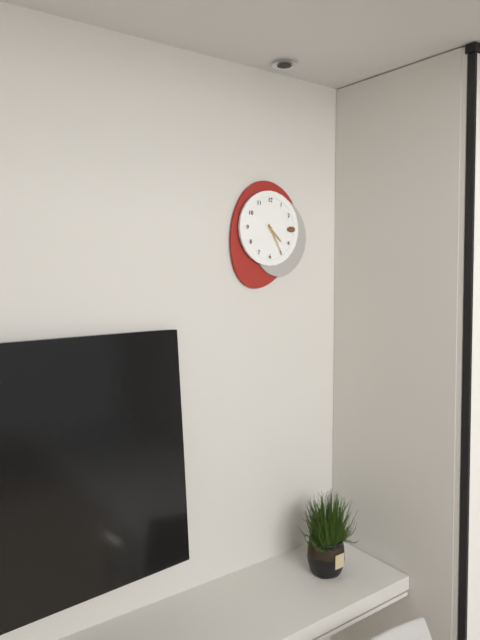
h=4 m=25
